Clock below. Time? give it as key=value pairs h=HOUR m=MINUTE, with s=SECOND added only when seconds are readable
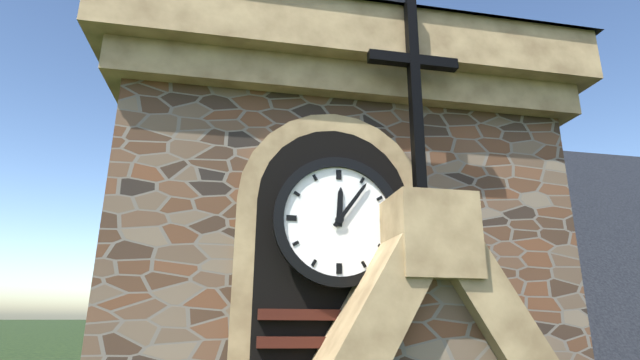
h=12 m=6
